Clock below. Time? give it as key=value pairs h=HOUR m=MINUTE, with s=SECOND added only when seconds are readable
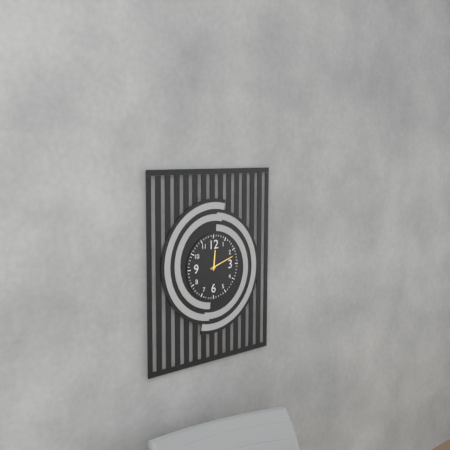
h=12 m=12
